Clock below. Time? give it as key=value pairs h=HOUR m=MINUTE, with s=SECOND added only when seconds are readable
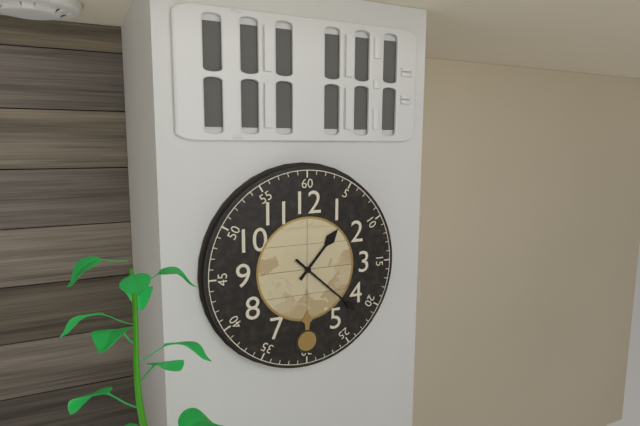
h=1 m=22
